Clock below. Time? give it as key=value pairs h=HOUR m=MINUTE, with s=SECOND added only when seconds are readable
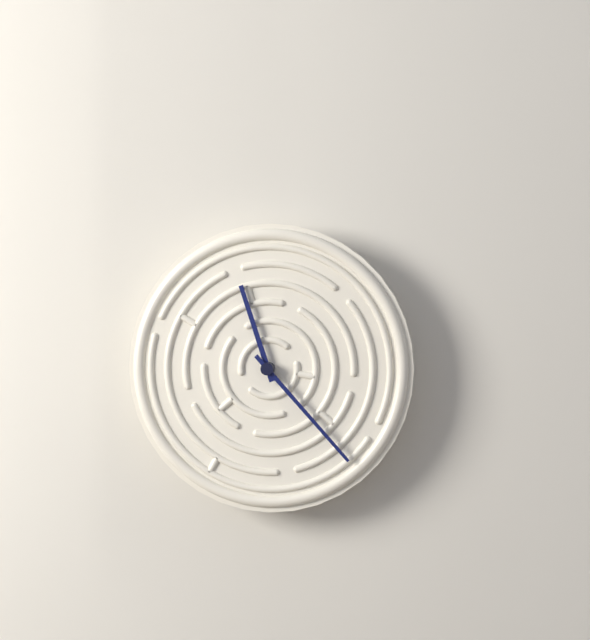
h=11 m=23
